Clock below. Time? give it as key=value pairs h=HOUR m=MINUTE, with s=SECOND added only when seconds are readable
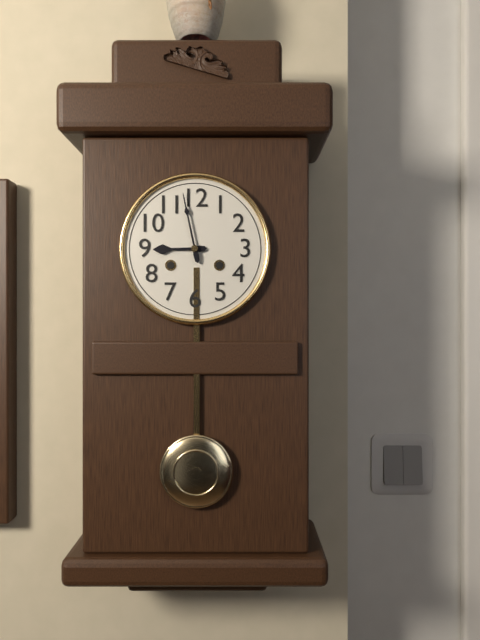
h=8 m=58
